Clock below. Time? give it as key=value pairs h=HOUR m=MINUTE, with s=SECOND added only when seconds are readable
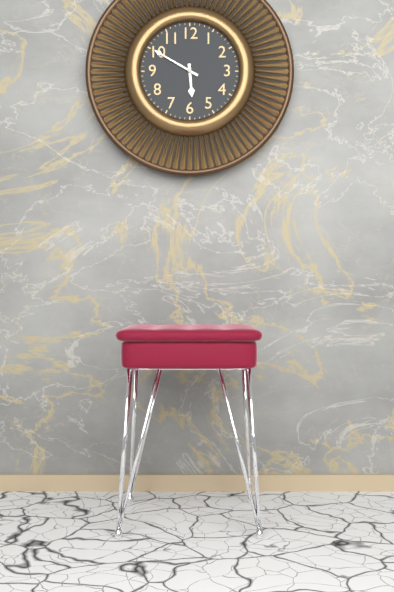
h=5 m=50
